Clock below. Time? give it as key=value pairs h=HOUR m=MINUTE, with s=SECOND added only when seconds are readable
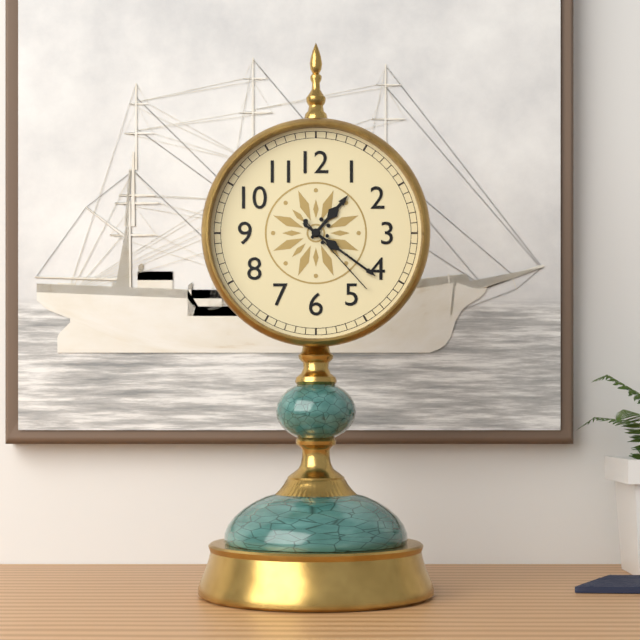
h=1 m=21 s=23
